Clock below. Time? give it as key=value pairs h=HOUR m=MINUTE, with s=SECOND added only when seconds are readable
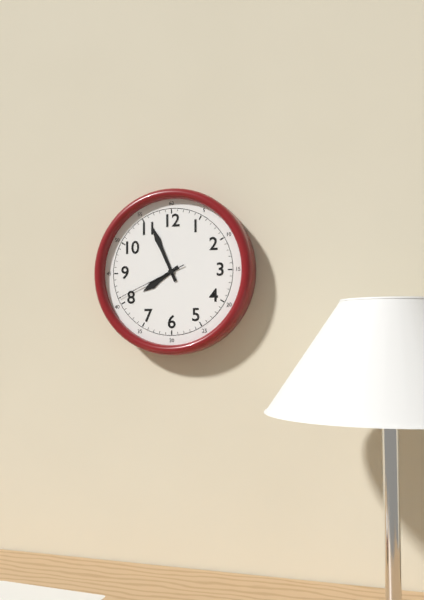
h=7 m=56 s=41
